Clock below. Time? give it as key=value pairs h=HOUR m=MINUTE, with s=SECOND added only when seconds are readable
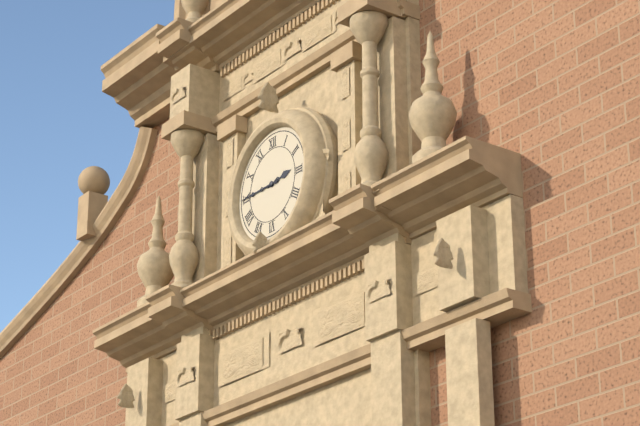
h=2 m=45
